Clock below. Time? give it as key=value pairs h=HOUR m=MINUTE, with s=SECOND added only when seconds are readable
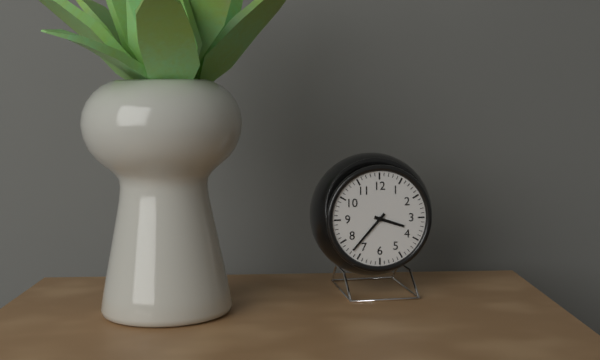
h=3 m=37
